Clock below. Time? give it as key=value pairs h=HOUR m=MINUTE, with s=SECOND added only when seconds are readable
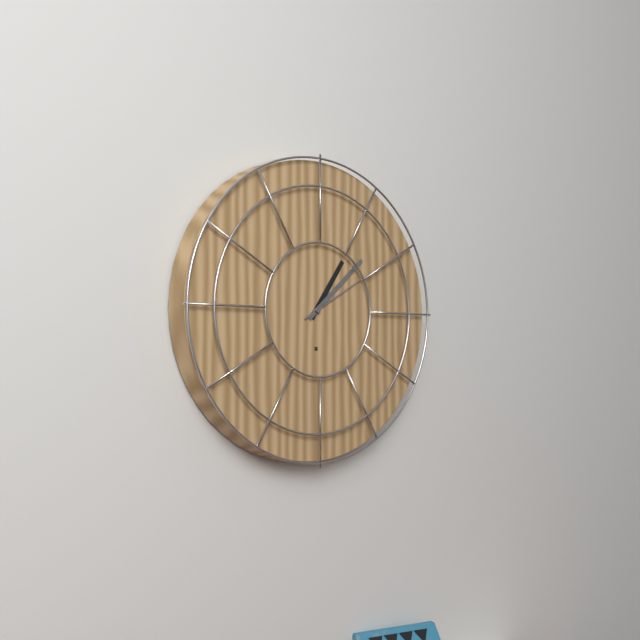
h=1 m=8 s=10
